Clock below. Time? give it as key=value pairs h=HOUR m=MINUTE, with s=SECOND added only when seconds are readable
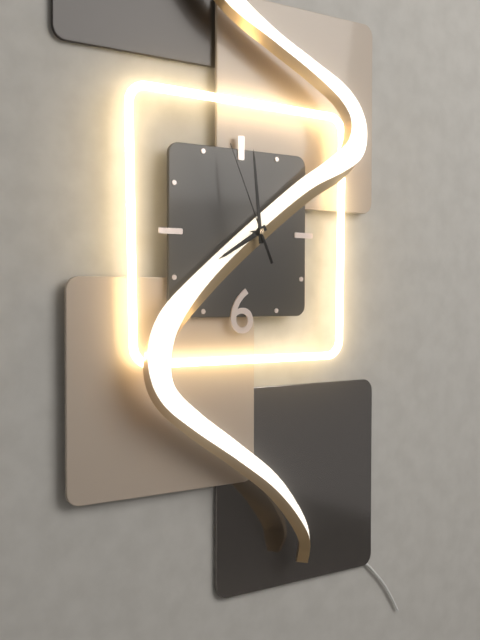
h=7 m=59 s=56
